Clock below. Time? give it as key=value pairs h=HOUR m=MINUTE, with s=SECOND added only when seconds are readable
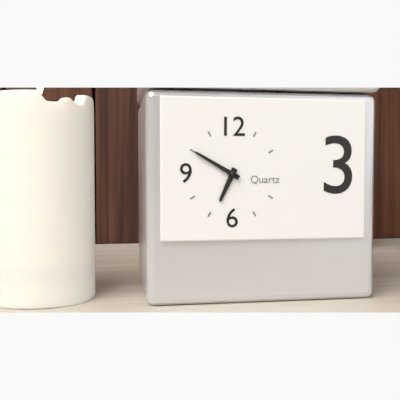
h=6 m=50
